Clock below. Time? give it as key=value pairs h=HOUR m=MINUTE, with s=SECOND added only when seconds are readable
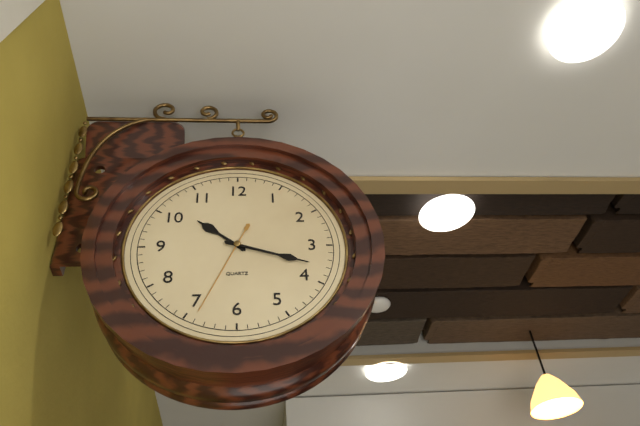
h=10 m=18 s=34
